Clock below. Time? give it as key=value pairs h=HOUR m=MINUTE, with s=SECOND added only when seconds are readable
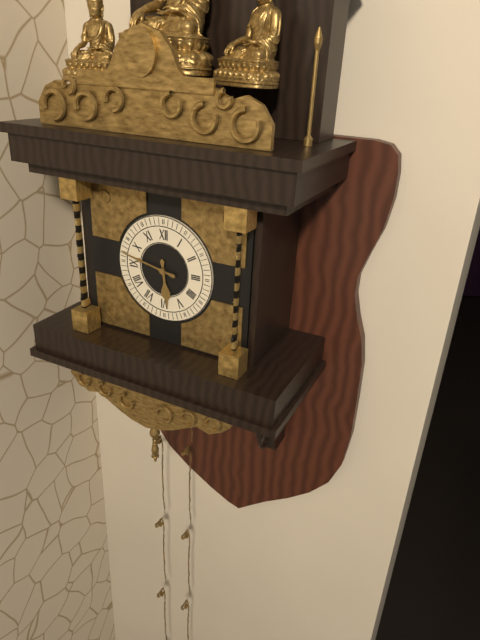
h=5 m=47
